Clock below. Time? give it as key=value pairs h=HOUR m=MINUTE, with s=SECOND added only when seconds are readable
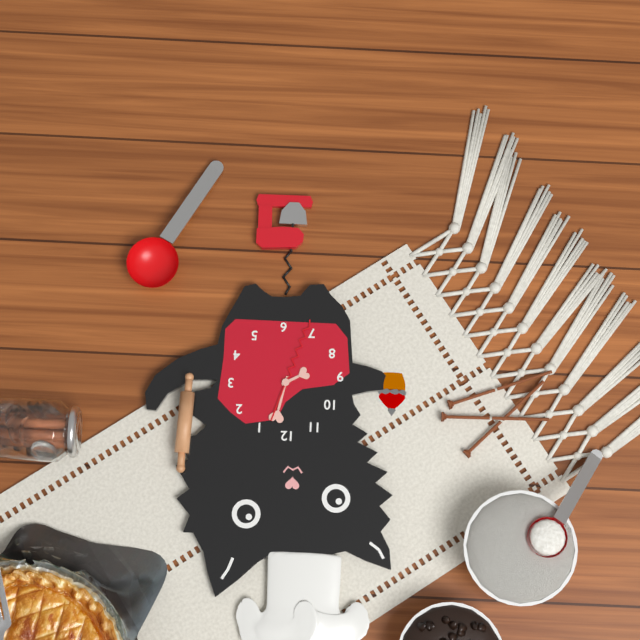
h=8 m=2 s=33
